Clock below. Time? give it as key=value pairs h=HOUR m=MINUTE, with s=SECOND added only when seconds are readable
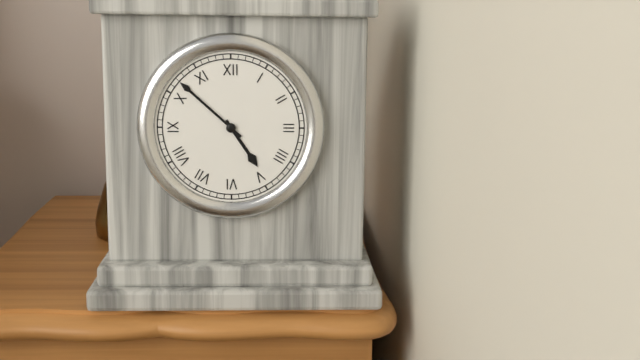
h=4 m=52
